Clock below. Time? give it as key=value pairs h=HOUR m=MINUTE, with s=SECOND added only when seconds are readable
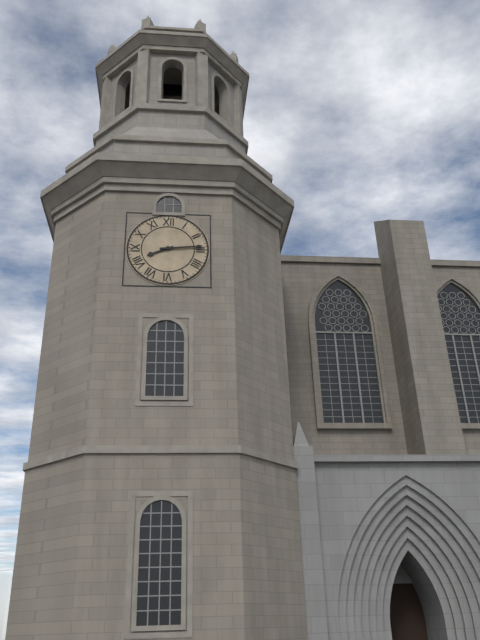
h=8 m=14
